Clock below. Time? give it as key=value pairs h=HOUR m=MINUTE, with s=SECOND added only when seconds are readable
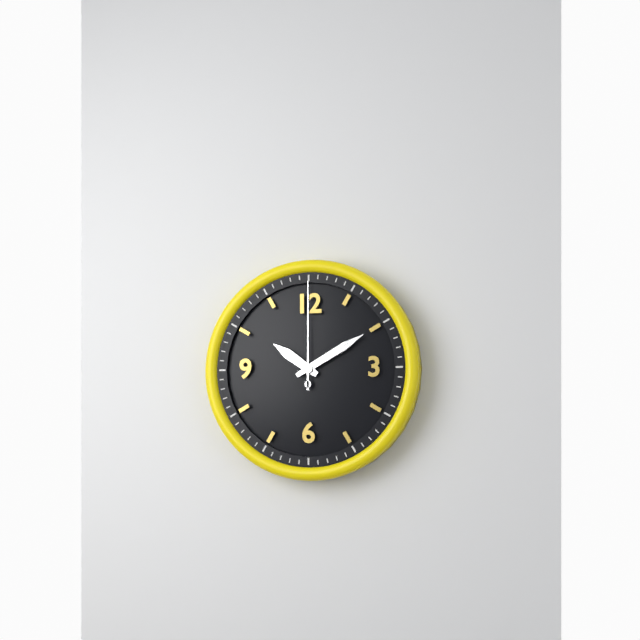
h=10 m=10 s=0
